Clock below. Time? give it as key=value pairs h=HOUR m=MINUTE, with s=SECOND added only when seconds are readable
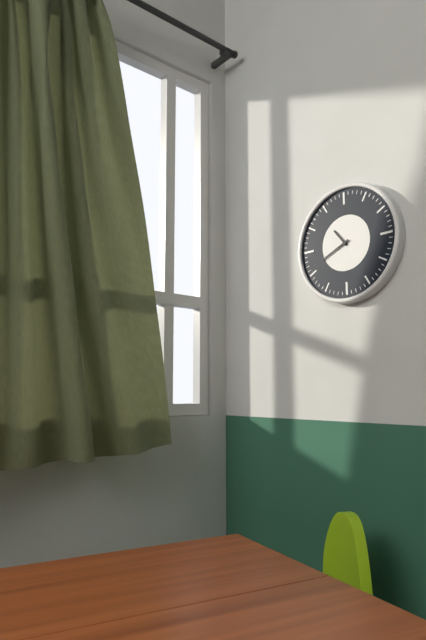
h=10 m=41
